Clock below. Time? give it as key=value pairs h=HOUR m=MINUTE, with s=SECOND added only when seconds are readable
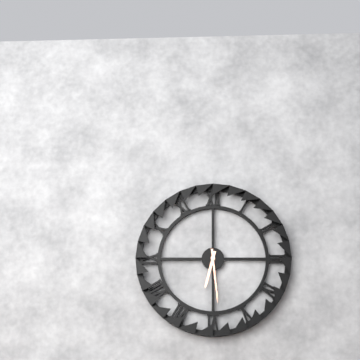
h=6 m=29
